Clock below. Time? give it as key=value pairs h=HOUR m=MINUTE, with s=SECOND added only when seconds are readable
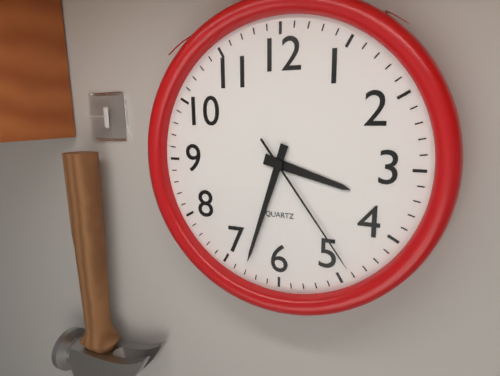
h=3 m=33 s=24
